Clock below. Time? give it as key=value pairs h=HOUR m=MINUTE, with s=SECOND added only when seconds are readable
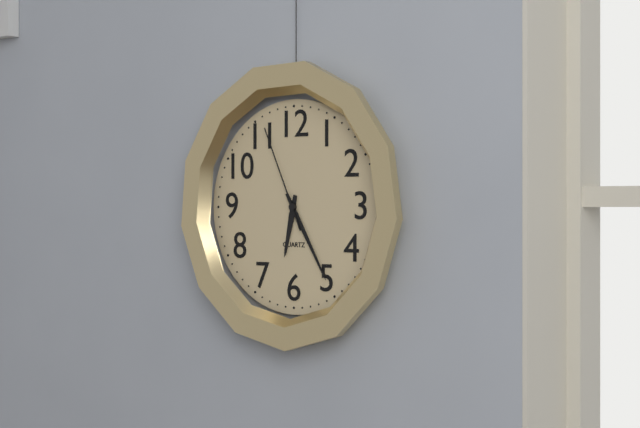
h=6 m=25 s=56
